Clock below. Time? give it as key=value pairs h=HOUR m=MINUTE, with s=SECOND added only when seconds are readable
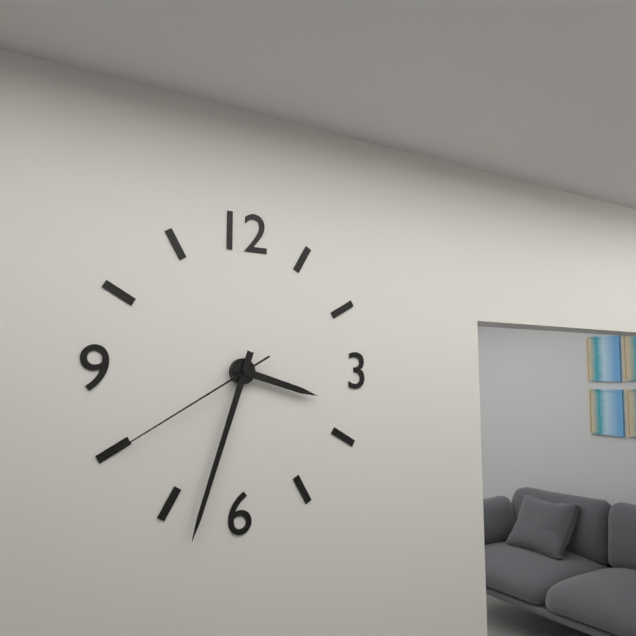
h=3 m=33 s=40
